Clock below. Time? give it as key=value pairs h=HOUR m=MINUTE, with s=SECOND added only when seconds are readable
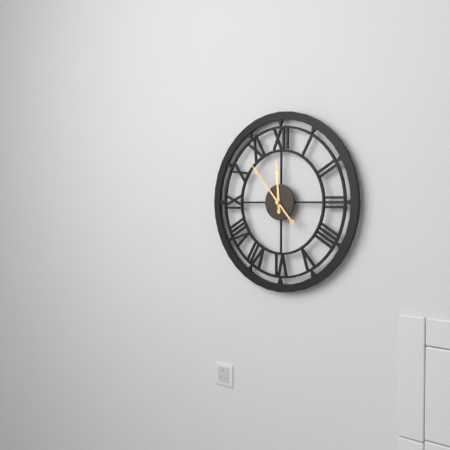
h=11 m=53
